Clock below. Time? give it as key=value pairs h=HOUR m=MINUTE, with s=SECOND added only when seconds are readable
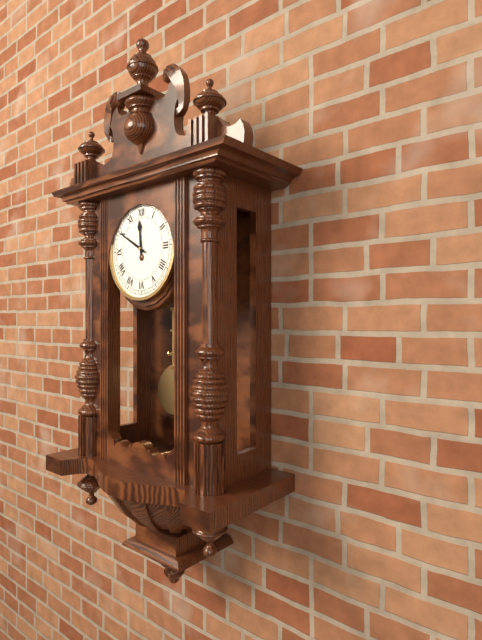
h=11 m=50
